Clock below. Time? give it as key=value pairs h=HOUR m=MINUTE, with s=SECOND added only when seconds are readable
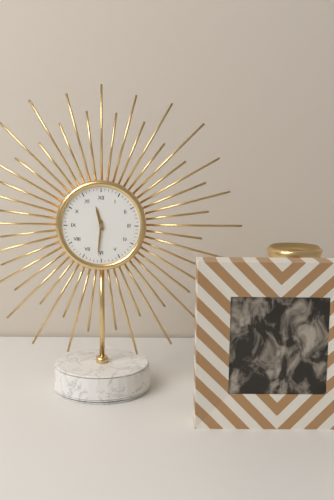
h=11 m=31
